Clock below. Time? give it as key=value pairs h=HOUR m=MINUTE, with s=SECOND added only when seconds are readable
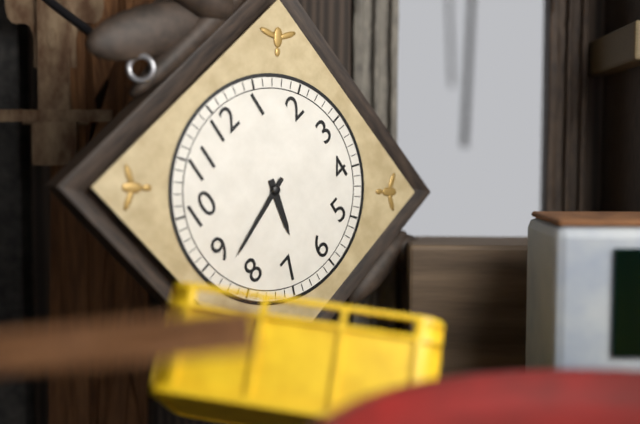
h=6 m=43
